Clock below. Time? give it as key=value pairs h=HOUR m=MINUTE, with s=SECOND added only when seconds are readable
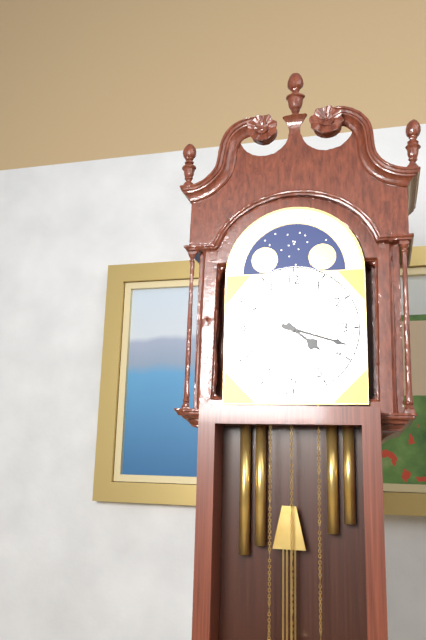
h=4 m=18
